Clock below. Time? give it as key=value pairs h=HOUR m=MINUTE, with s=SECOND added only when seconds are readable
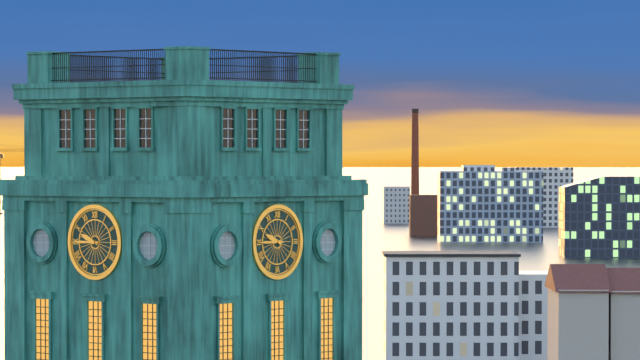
h=9 m=45
